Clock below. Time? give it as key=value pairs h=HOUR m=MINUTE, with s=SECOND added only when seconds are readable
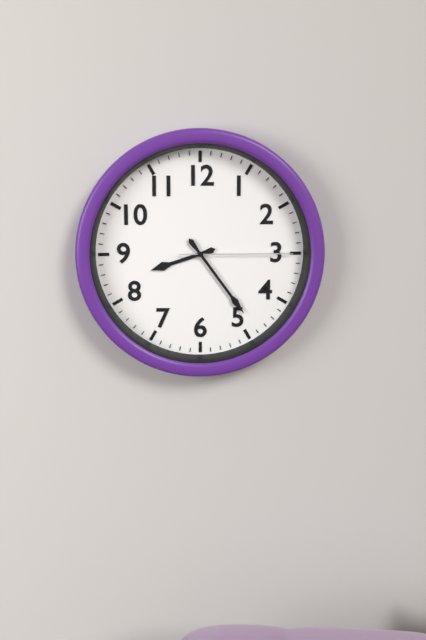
h=8 m=24 s=15
